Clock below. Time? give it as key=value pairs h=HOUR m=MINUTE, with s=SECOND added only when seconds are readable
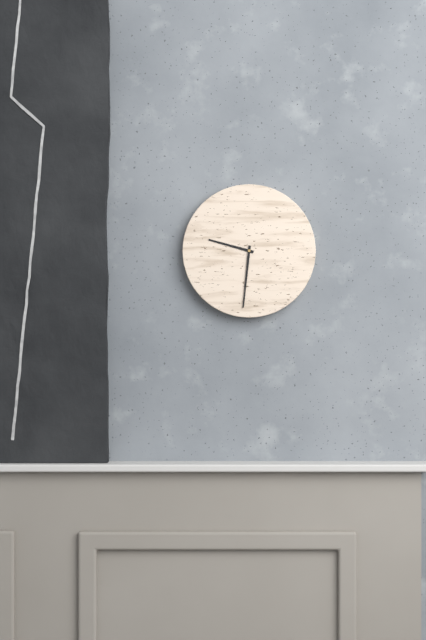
h=9 m=31
